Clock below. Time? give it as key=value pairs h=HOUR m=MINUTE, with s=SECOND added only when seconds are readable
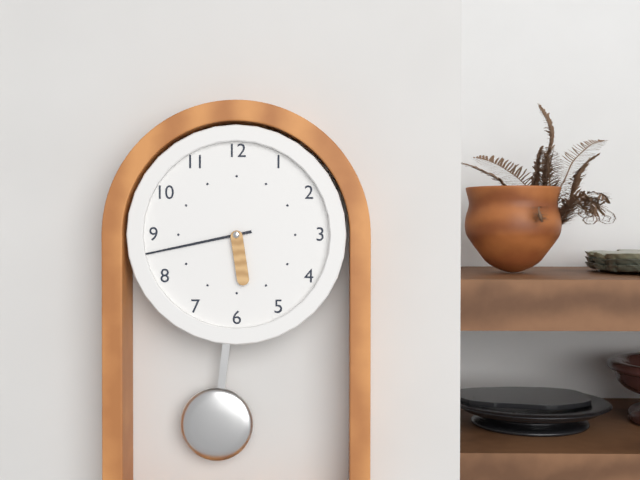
h=5 m=43
